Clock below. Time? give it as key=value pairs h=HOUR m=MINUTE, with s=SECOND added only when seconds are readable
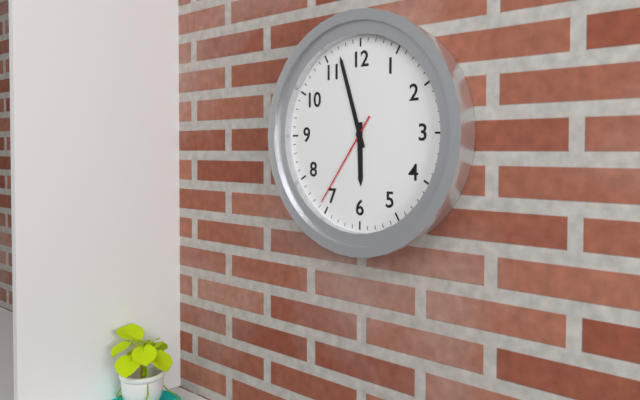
h=5 m=57 s=36
